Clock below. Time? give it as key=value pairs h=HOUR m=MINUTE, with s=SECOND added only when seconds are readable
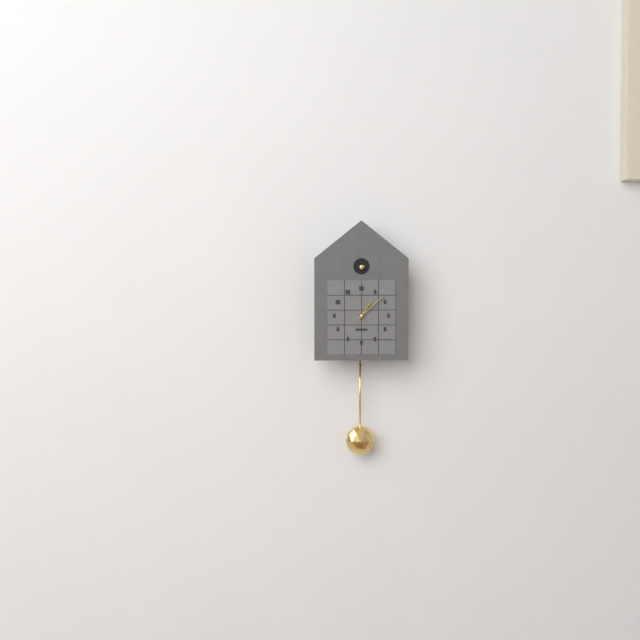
h=1 m=8
